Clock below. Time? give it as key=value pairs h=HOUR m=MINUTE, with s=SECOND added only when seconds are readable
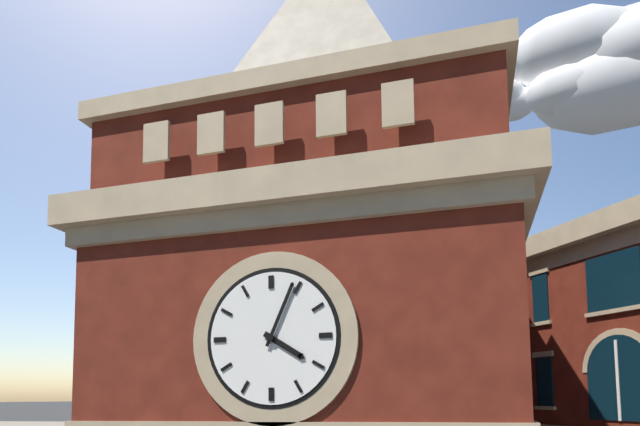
h=4 m=4
